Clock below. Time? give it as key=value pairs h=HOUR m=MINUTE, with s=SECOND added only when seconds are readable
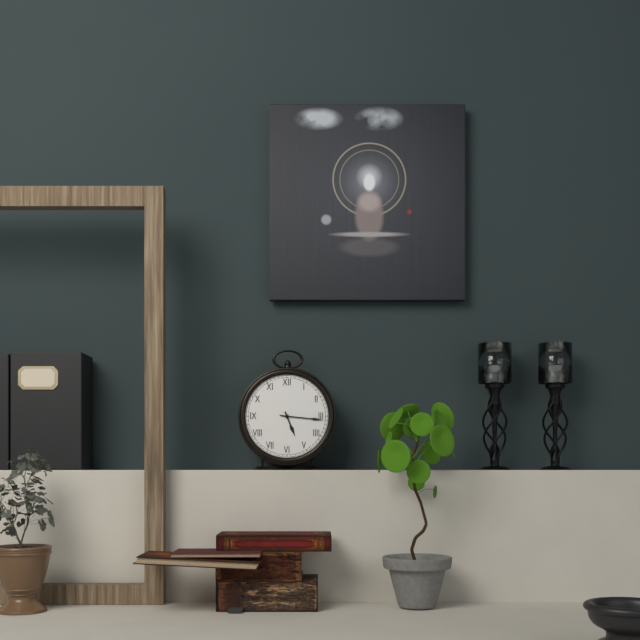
h=5 m=16
